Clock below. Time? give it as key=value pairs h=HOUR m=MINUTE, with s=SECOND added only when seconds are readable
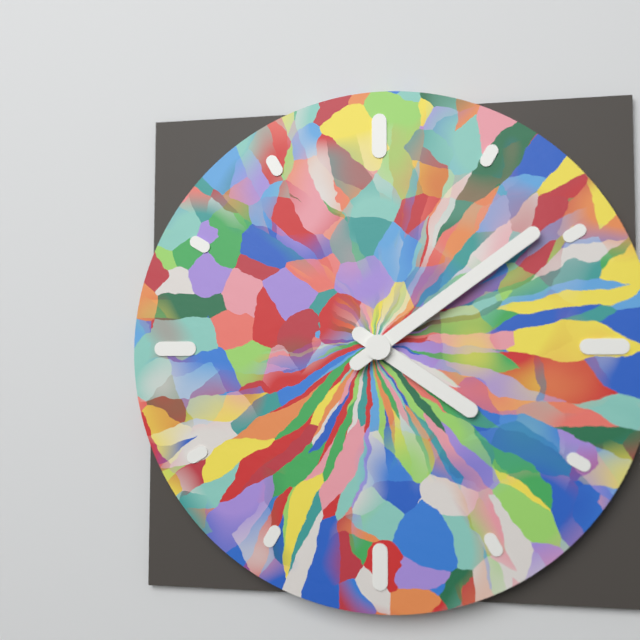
h=4 m=9
